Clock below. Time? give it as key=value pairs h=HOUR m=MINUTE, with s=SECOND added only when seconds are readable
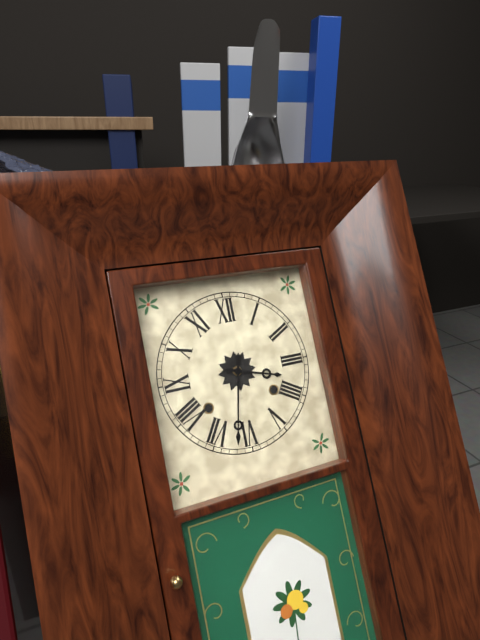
h=3 m=32
